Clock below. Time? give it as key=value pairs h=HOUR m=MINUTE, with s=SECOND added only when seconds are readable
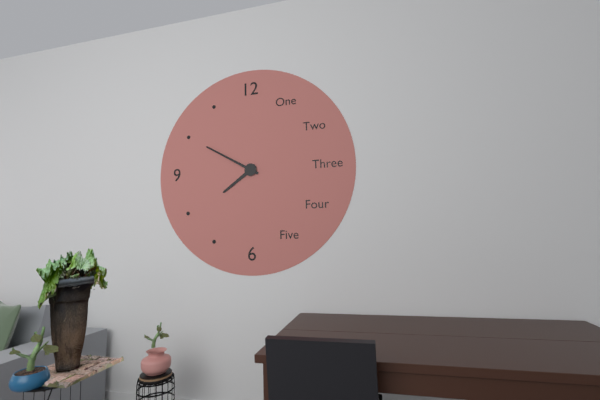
h=7 m=50
